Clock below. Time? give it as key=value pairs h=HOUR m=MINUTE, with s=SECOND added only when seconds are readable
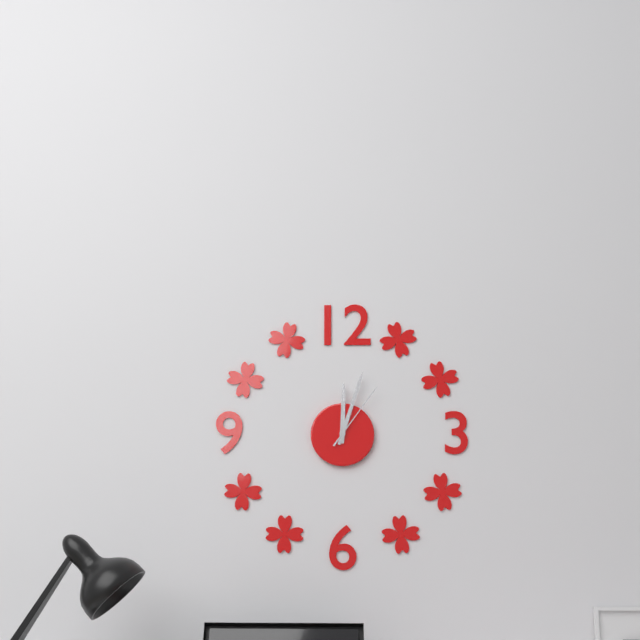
h=12 m=3 s=6
